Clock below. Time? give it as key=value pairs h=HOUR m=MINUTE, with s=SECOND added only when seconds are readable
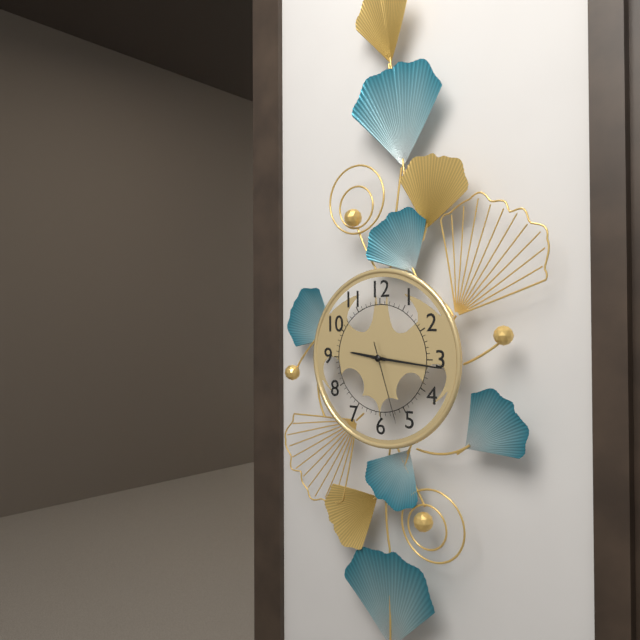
h=9 m=16 s=27
